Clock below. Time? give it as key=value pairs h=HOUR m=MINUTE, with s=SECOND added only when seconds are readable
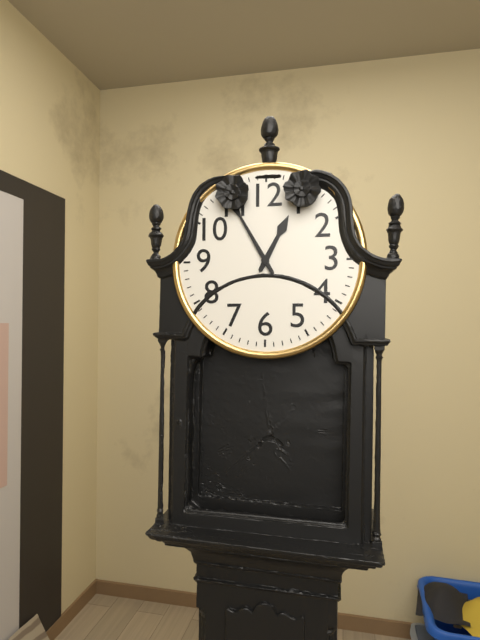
h=12 m=55
